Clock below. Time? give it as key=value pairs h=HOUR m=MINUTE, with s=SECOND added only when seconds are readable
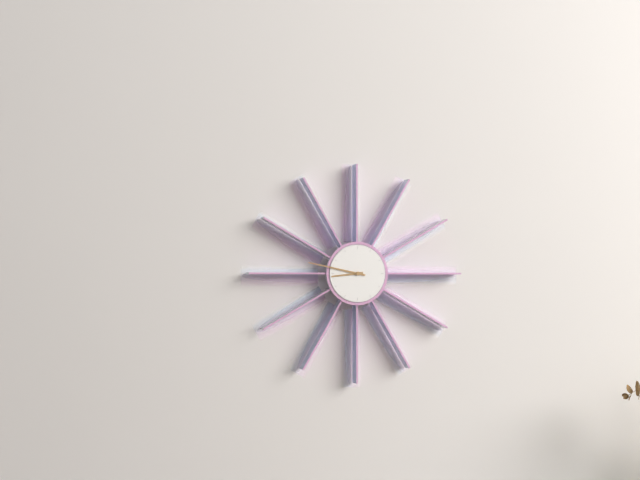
h=8 m=47
